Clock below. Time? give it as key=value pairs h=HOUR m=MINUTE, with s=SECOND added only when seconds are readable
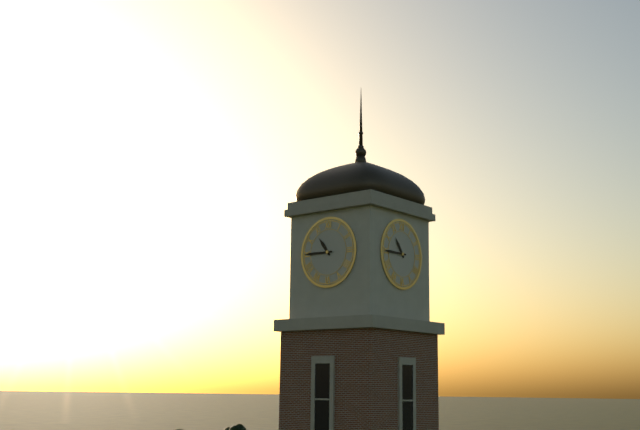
h=10 m=45
